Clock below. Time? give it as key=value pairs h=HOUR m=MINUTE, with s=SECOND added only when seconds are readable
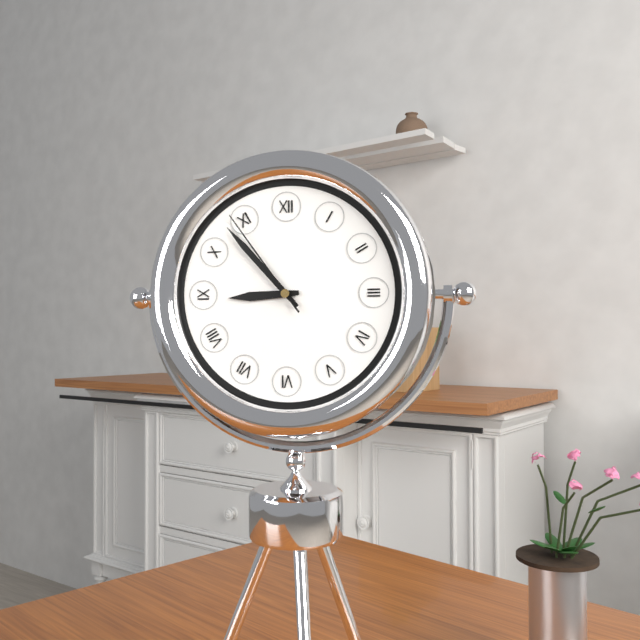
h=8 m=53 s=54
